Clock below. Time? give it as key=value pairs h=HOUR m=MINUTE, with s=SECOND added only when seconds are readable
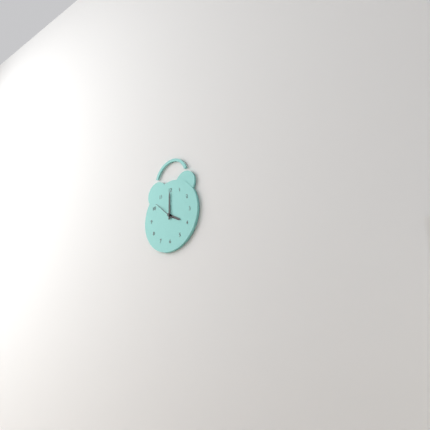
h=4 m=0
